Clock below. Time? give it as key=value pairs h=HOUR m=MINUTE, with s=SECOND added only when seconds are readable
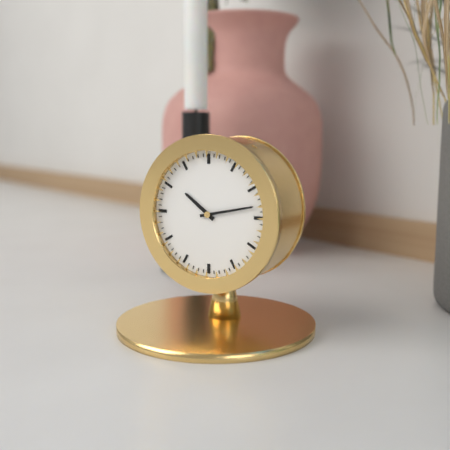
h=10 m=13
